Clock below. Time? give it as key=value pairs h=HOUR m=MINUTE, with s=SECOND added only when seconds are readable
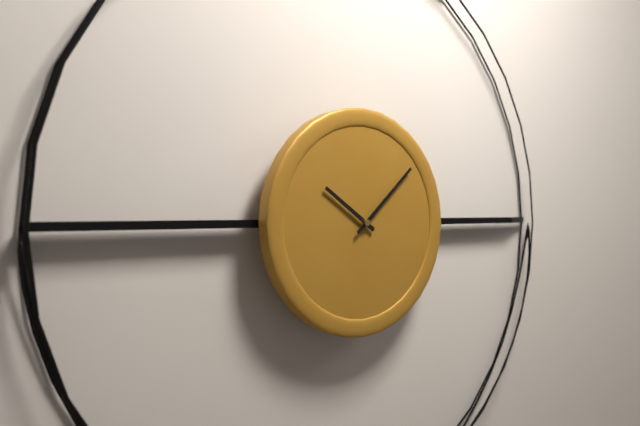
h=10 m=8
